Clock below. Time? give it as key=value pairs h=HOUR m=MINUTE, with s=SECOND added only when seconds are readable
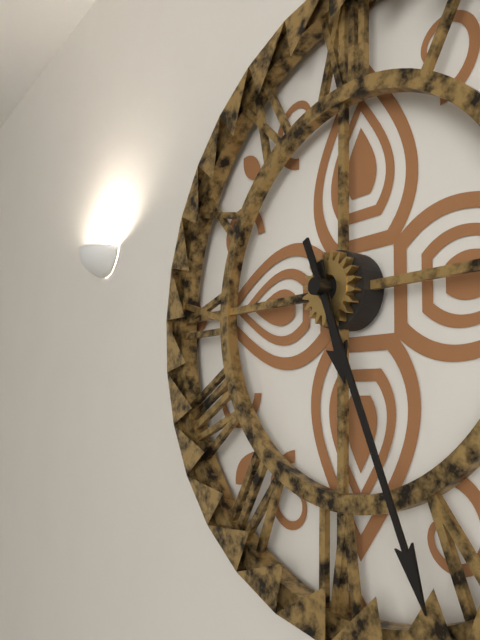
h=5 m=26
